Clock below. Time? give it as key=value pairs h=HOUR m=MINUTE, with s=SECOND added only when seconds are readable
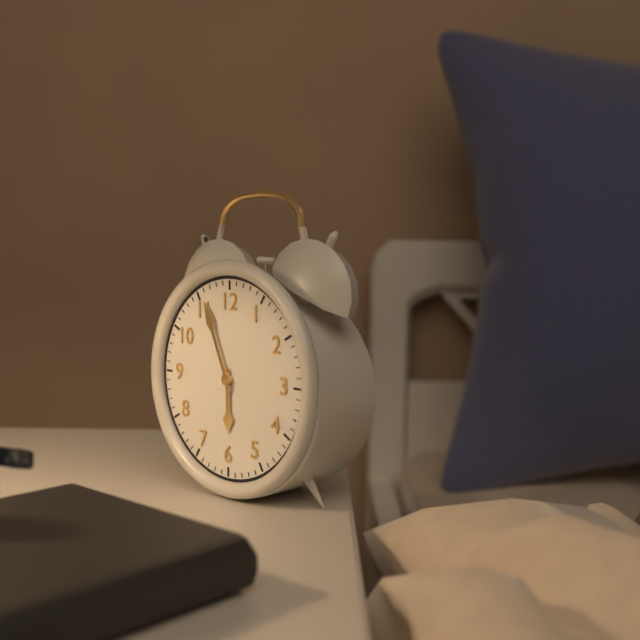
h=5 m=56
